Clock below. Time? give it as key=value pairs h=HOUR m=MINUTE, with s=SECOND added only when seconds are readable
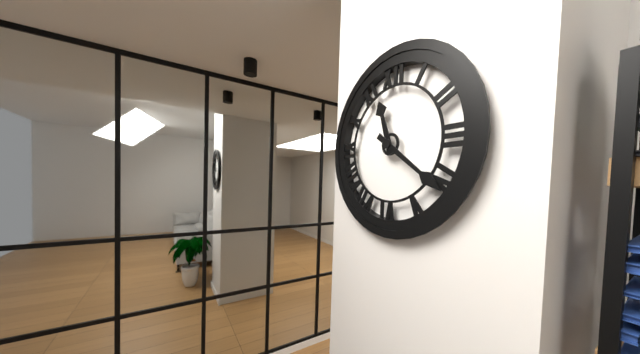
h=11 m=21
